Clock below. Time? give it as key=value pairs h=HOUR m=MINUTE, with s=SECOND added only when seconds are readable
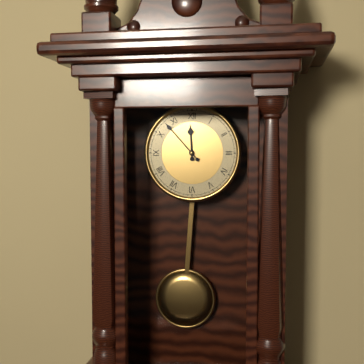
h=11 m=53
